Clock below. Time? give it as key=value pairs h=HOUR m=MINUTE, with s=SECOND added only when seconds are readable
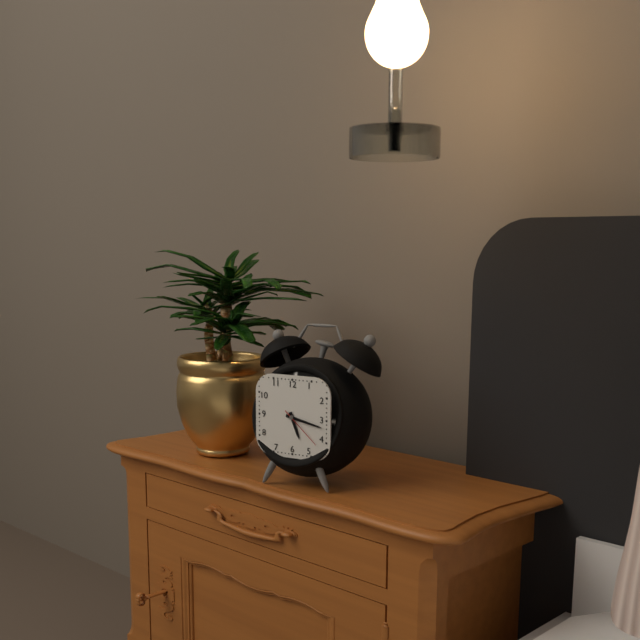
h=5 m=17
